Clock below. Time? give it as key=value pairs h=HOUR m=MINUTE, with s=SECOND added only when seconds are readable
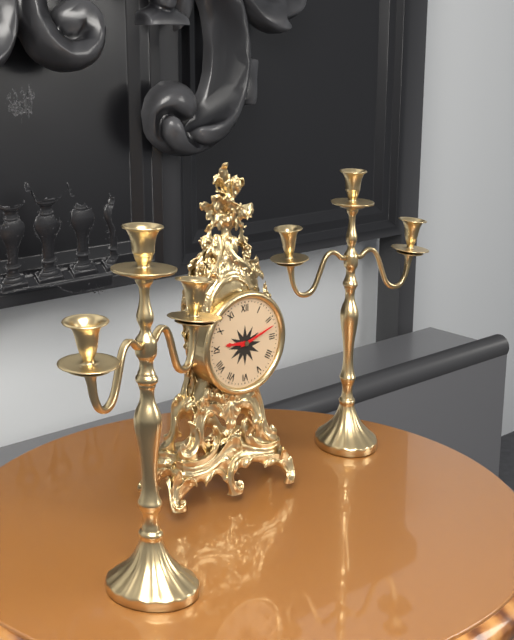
h=9 m=12
